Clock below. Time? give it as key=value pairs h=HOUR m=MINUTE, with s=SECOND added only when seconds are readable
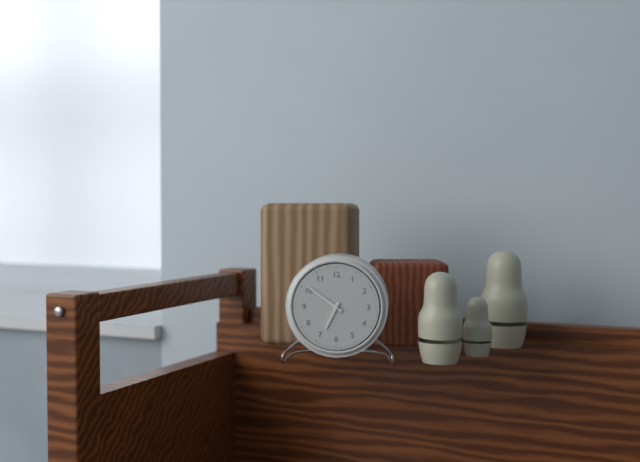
h=6 m=51
